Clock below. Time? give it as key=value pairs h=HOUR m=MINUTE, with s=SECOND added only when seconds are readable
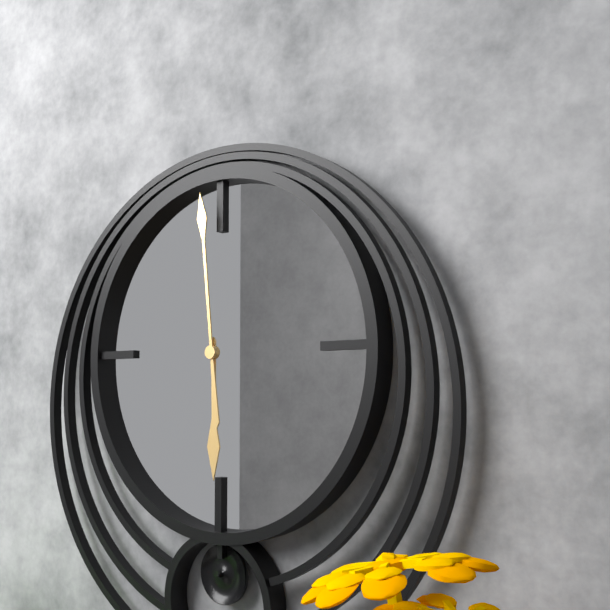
h=5 m=59
